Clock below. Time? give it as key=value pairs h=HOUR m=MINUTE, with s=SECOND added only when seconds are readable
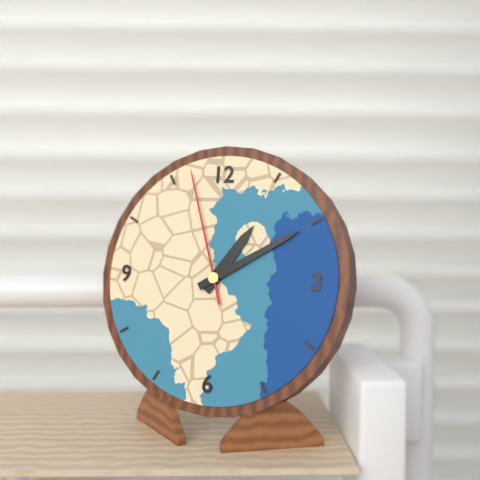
h=1 m=10 s=57
